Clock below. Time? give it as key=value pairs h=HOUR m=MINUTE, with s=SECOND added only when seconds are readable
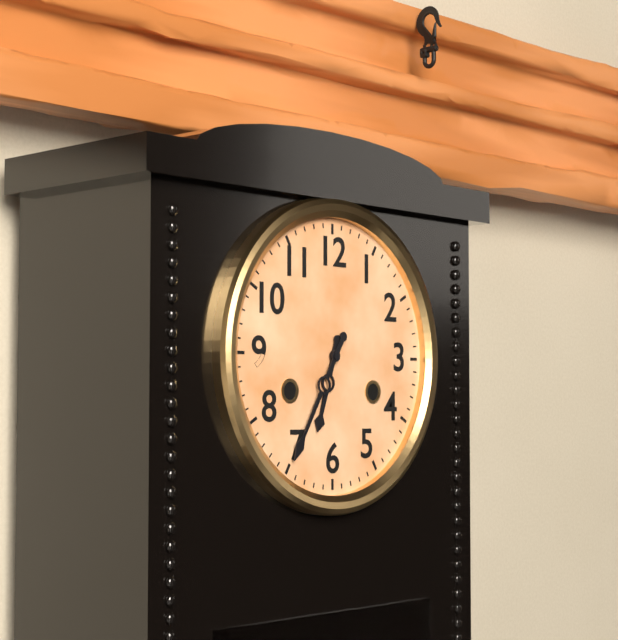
h=6 m=35
